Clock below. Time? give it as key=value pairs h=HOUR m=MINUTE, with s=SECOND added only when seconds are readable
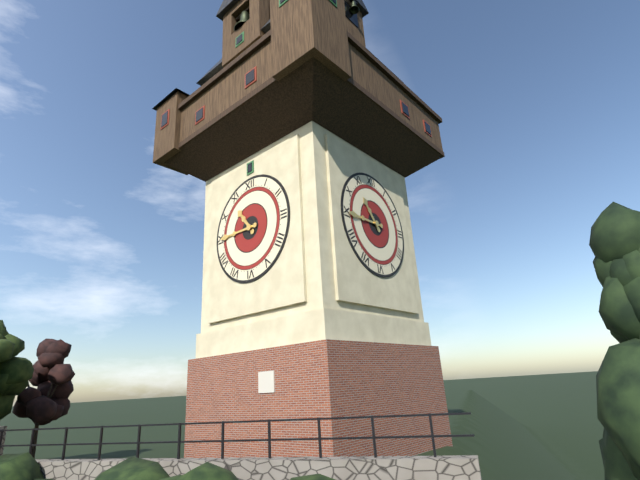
h=10 m=45
